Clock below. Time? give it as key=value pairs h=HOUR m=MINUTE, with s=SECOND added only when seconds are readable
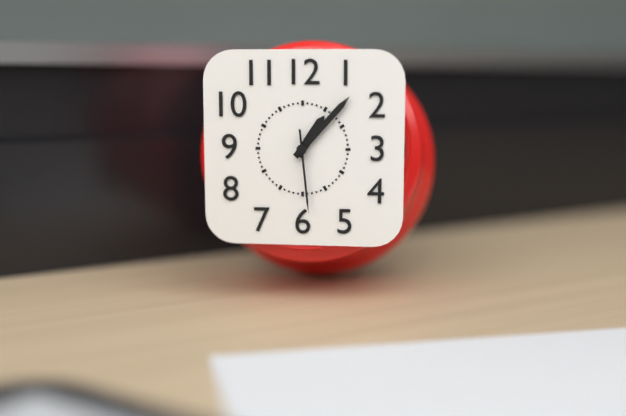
h=1 m=7 s=29
